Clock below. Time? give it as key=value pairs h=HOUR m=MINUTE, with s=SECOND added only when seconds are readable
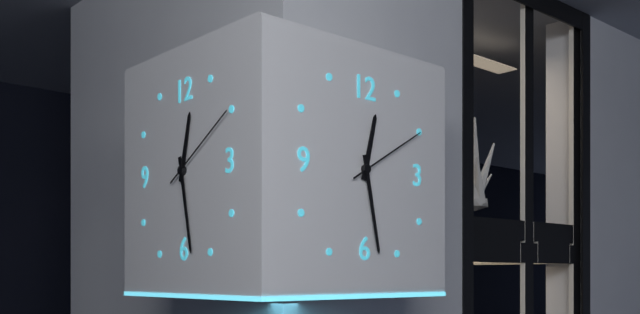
h=12 m=28 s=10
